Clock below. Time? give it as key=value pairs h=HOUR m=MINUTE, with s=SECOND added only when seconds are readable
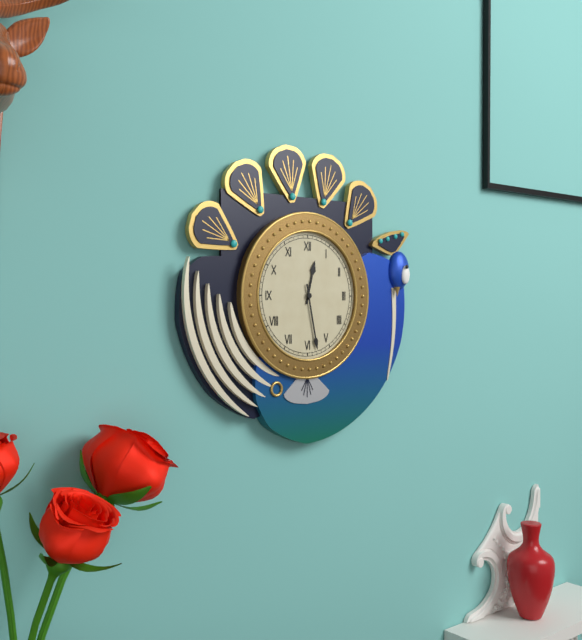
h=12 m=28
